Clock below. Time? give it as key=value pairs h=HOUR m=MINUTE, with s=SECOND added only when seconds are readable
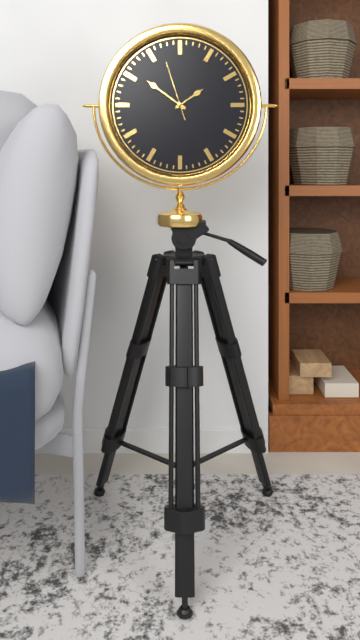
h=1 m=51 s=57
